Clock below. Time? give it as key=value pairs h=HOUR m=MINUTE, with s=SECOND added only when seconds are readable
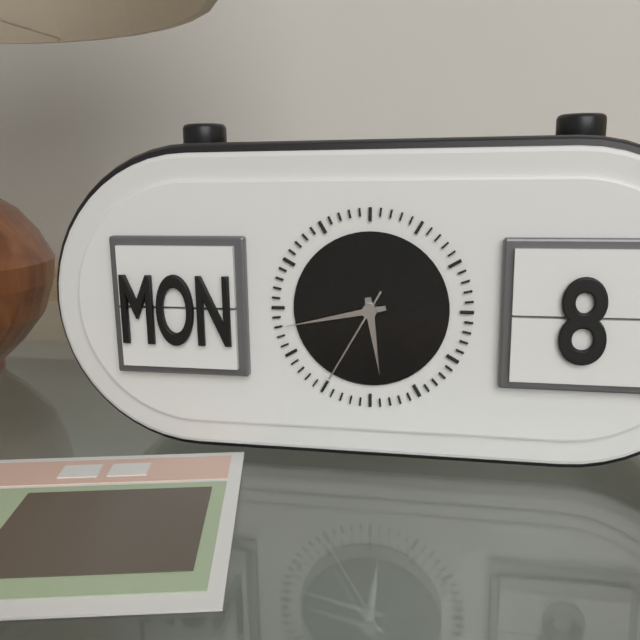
h=5 m=43 s=35
